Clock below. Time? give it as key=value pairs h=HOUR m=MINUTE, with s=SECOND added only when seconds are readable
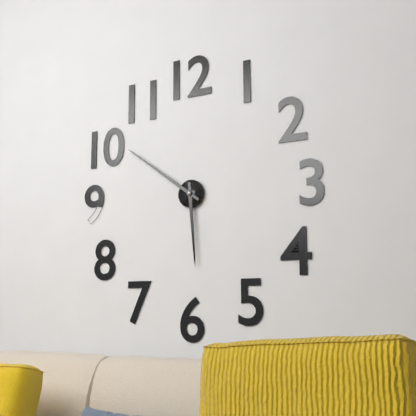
h=5 m=51
